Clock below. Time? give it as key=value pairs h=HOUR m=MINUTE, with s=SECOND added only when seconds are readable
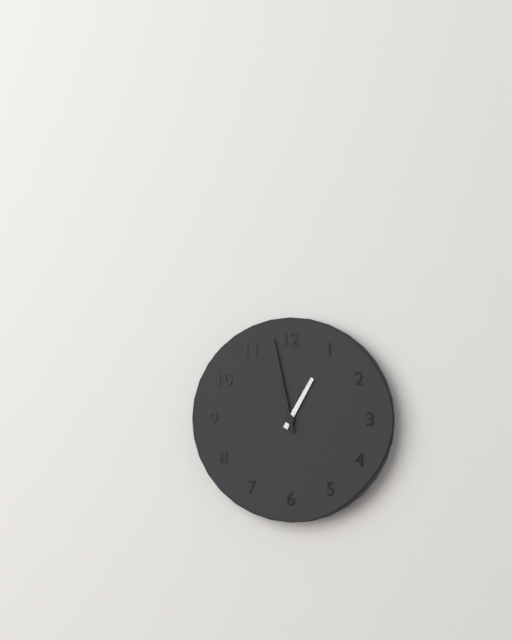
h=12 m=58
